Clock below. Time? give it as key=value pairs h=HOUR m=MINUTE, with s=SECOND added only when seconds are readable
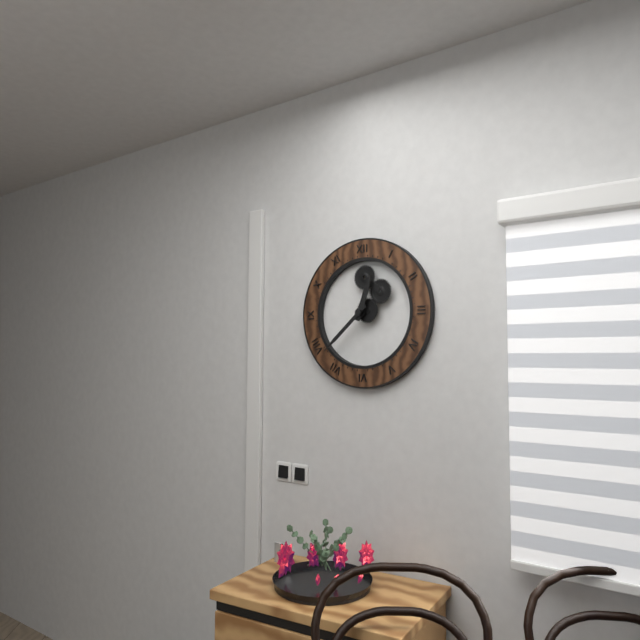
h=12 m=38
